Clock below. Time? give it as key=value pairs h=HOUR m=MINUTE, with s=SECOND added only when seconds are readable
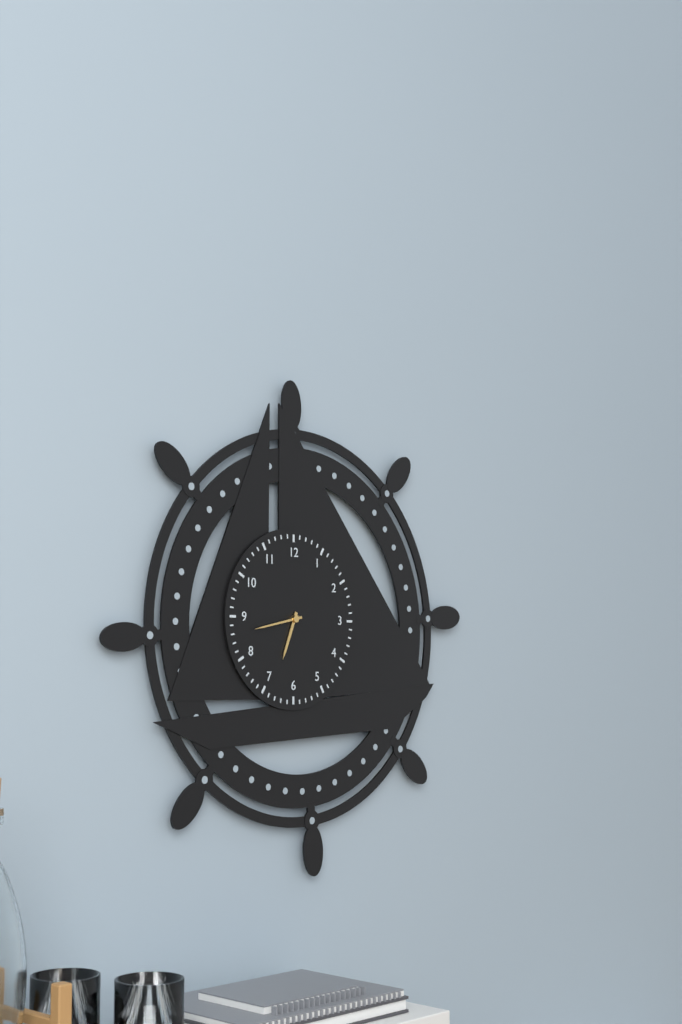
h=6 m=43
